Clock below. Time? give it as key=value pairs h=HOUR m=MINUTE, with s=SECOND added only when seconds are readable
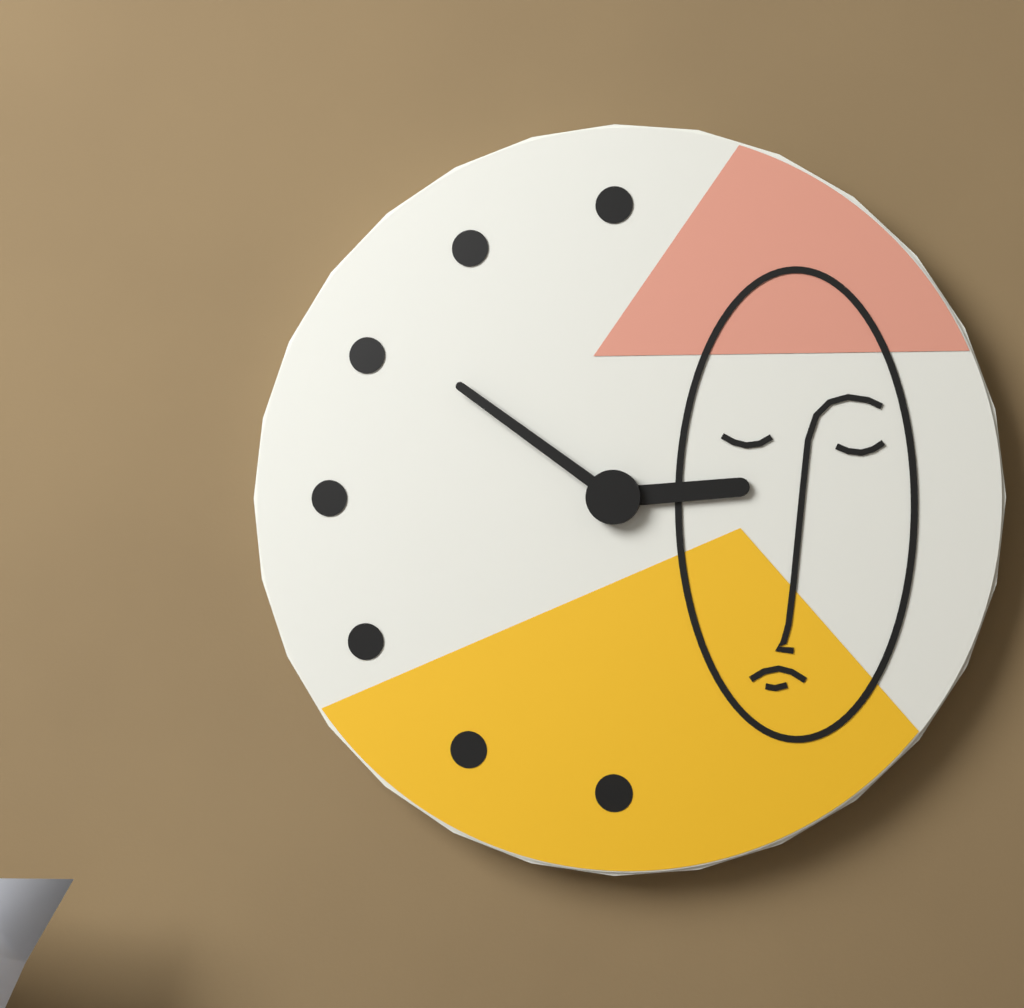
h=2 m=51
